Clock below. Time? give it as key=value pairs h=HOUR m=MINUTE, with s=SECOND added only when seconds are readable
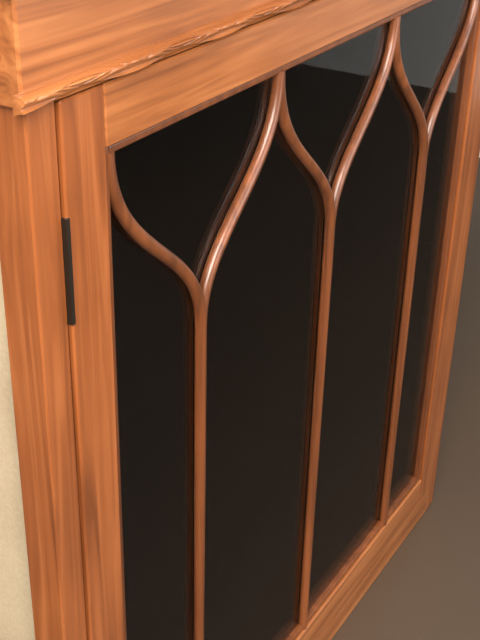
h=5 m=41
